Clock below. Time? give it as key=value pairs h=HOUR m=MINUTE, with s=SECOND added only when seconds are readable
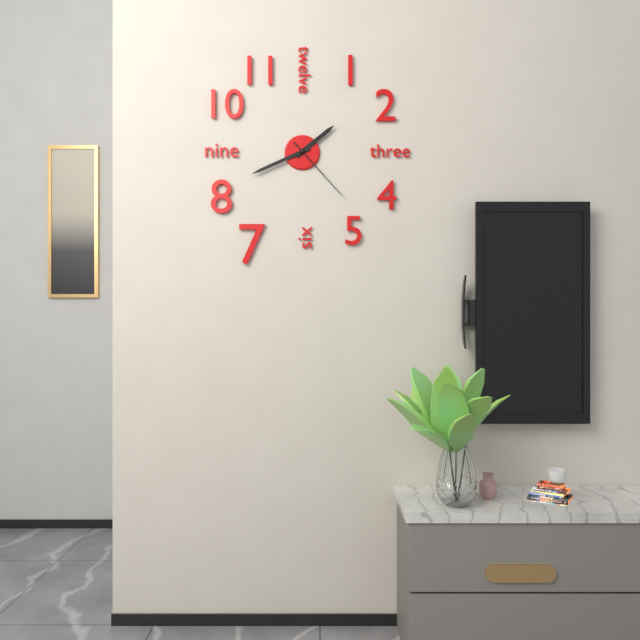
h=1 m=41 s=23
